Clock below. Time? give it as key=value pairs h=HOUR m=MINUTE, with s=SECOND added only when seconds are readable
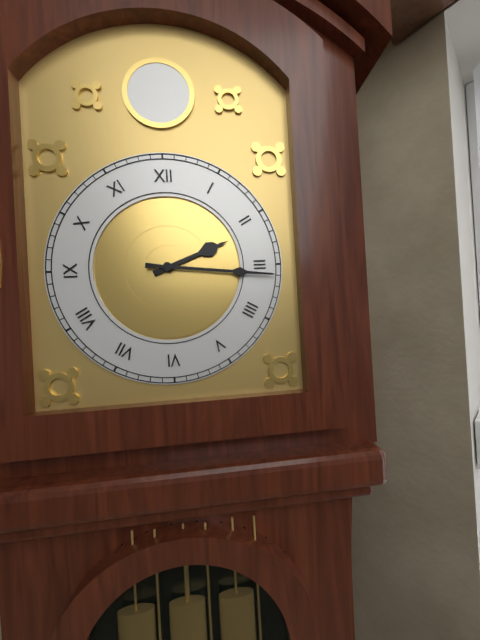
h=2 m=16
